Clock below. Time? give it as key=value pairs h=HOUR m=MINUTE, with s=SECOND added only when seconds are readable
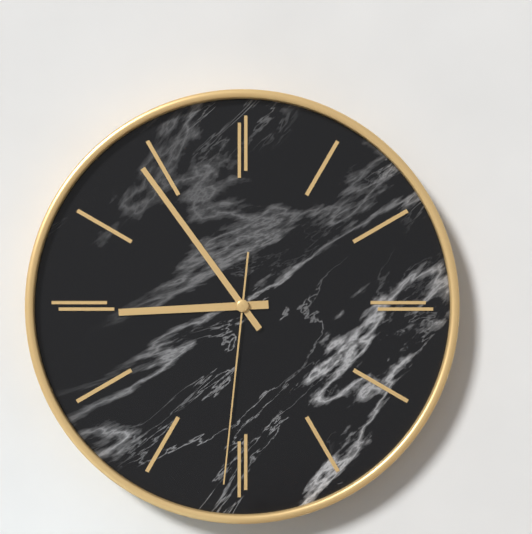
h=8 m=54 s=31
